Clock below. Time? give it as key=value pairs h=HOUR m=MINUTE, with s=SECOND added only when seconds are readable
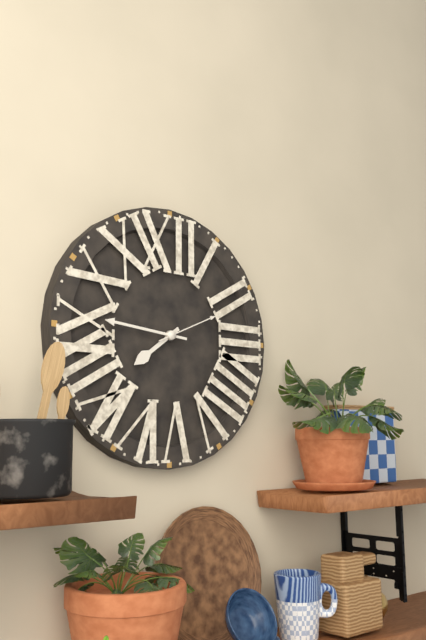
h=7 m=46 s=11
